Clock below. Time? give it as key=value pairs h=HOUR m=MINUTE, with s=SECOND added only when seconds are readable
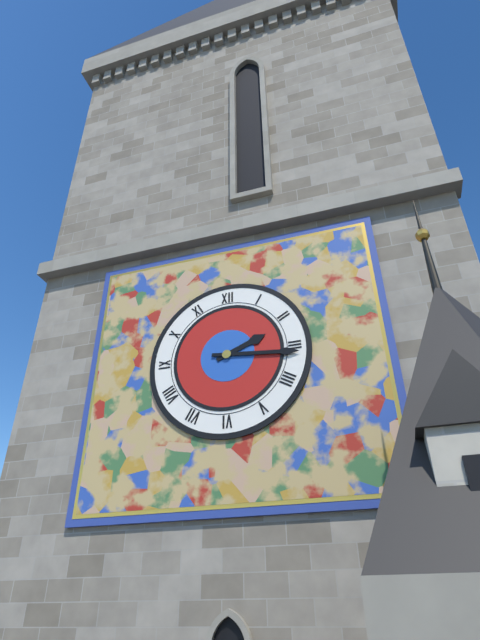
h=2 m=16
